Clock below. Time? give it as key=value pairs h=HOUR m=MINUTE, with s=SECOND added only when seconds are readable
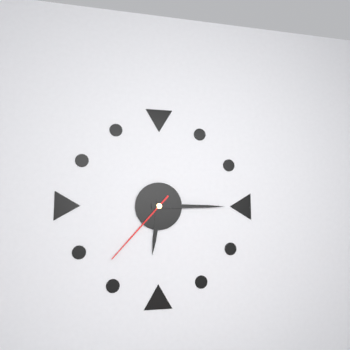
h=6 m=15 s=37
